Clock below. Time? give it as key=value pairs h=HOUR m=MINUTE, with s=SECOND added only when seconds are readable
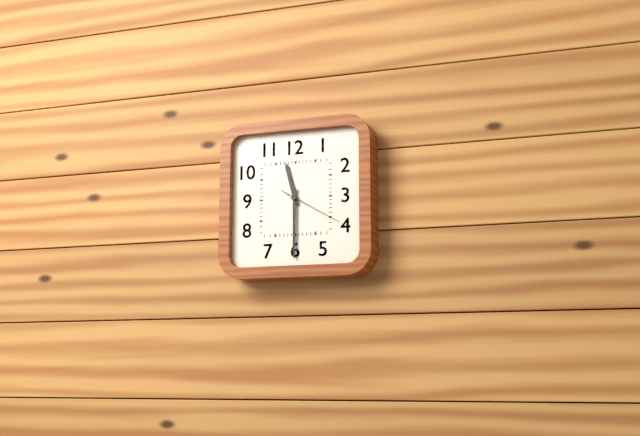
h=11 m=30 s=20
